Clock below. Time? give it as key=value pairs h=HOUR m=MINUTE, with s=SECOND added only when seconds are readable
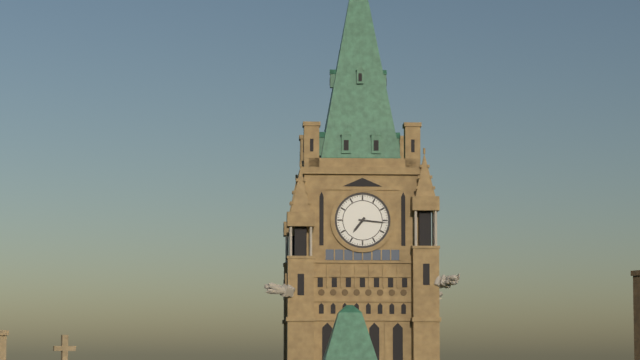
h=7 m=16
